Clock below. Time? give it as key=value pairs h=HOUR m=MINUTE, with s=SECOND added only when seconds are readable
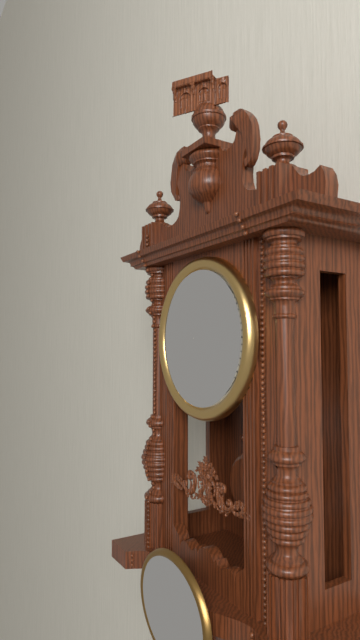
h=11 m=52
